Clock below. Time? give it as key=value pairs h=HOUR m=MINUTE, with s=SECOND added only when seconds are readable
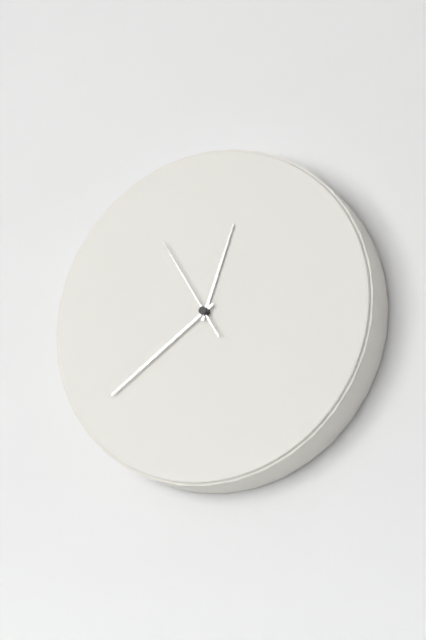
h=12 m=39 s=55
